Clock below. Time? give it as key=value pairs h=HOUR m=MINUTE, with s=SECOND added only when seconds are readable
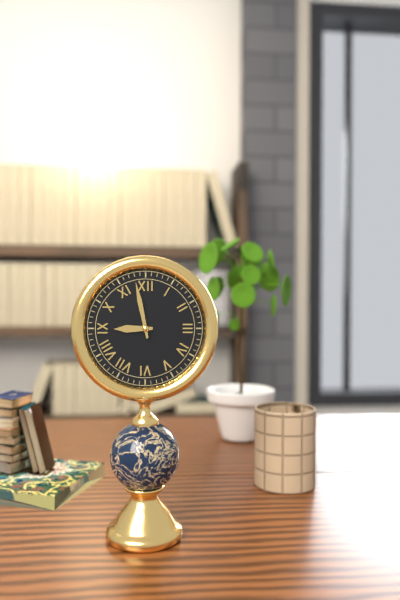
h=8 m=58
